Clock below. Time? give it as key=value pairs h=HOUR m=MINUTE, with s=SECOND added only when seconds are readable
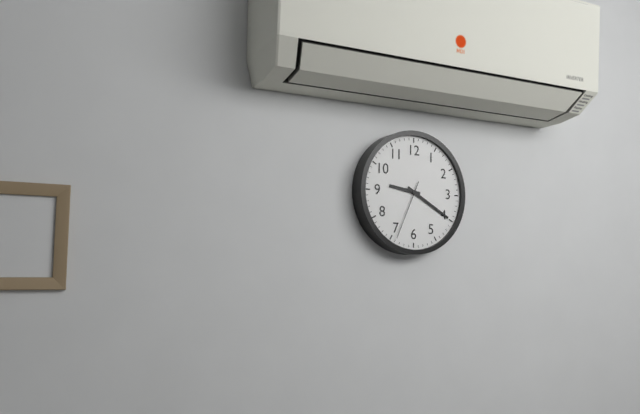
h=9 m=20 s=34
